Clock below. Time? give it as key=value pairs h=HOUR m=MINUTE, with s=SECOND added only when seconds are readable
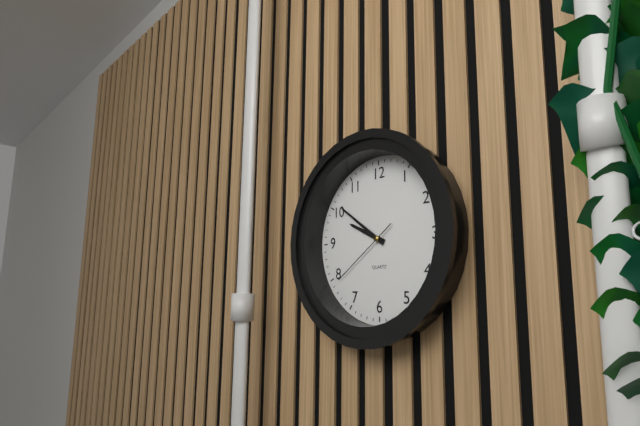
h=9 m=51 s=39
